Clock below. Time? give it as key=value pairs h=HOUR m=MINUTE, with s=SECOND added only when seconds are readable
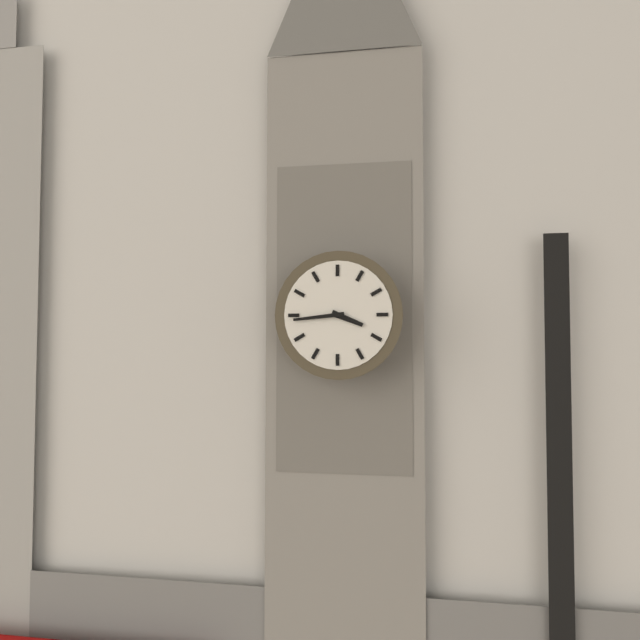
h=3 m=44
